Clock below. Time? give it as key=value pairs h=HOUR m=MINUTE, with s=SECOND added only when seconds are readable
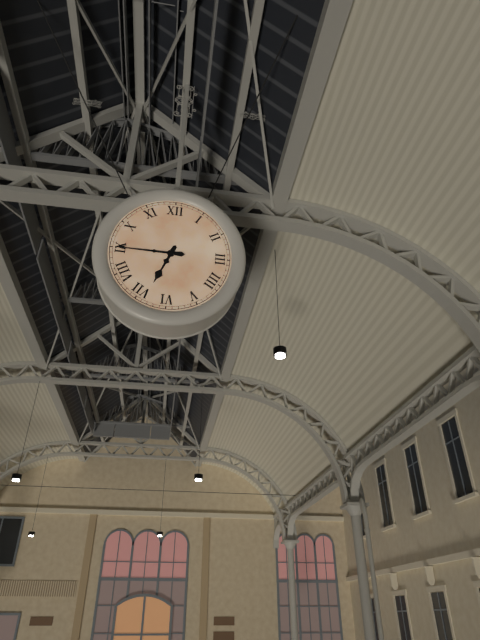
h=6 m=45
